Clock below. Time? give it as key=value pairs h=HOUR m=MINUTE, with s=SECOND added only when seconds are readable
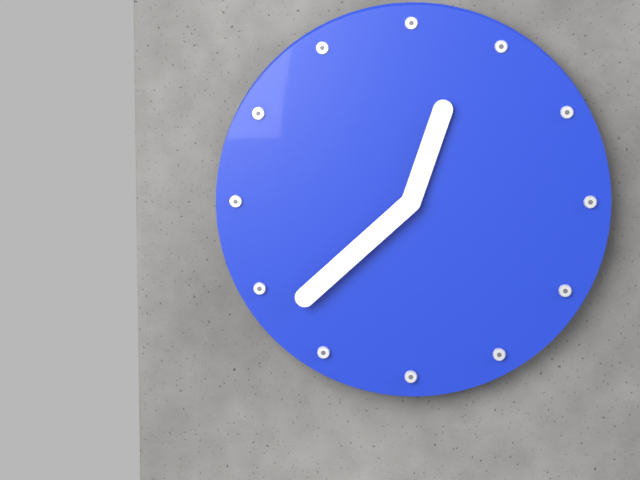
h=12 m=38
